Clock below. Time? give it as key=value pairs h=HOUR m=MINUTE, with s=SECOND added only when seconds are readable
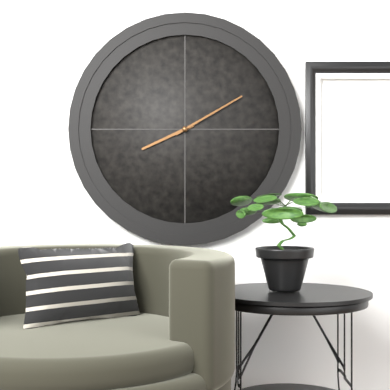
h=8 m=10
